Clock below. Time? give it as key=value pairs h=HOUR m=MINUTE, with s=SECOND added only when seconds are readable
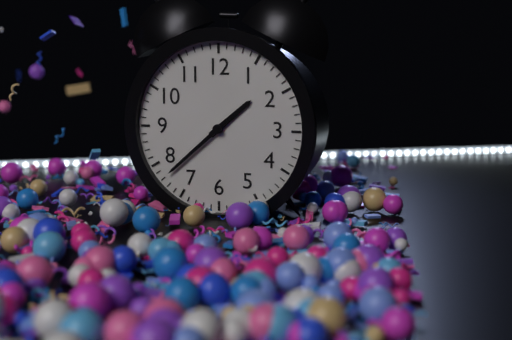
h=1 m=38
